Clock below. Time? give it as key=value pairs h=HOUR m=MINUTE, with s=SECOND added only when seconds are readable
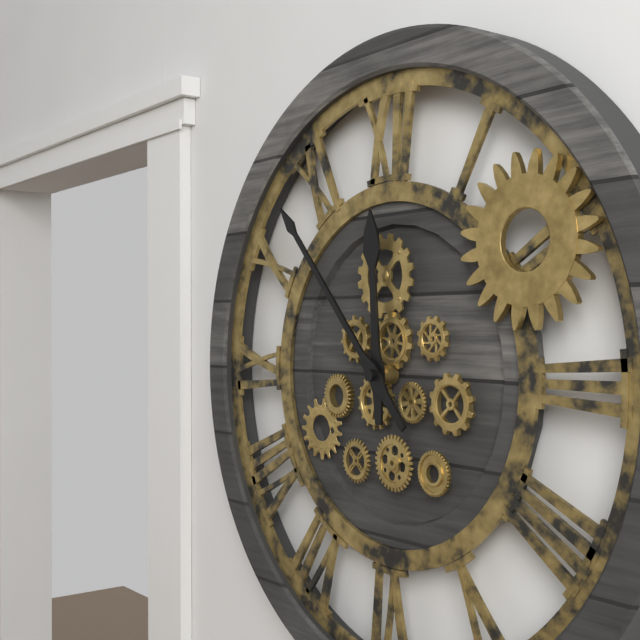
h=11 m=53
